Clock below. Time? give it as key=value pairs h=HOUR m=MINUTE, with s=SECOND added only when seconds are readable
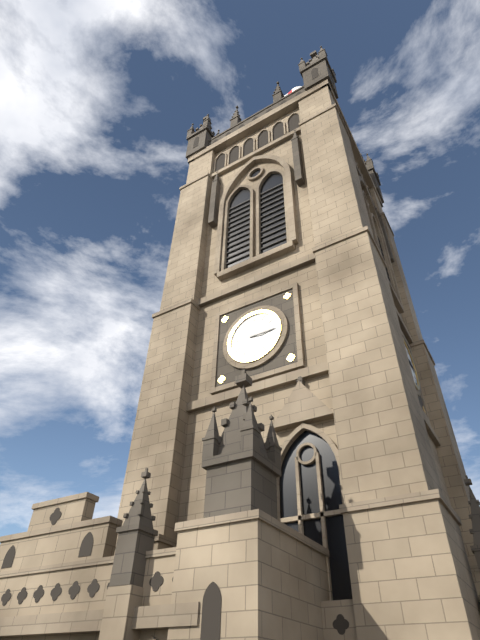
h=3 m=15
